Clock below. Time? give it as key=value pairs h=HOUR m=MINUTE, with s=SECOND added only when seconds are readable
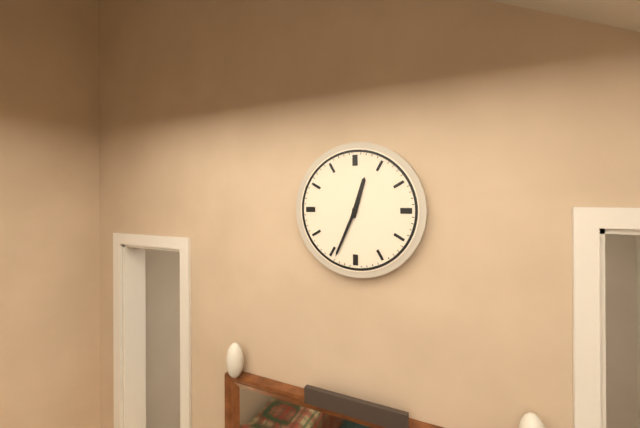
h=12 m=34
